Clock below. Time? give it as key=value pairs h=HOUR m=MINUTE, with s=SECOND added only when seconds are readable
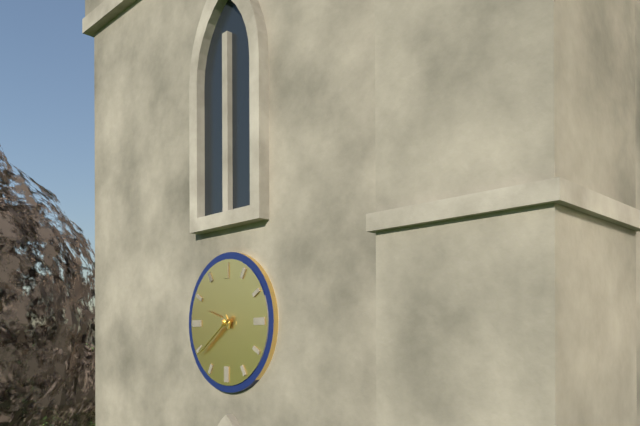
h=9 m=39
